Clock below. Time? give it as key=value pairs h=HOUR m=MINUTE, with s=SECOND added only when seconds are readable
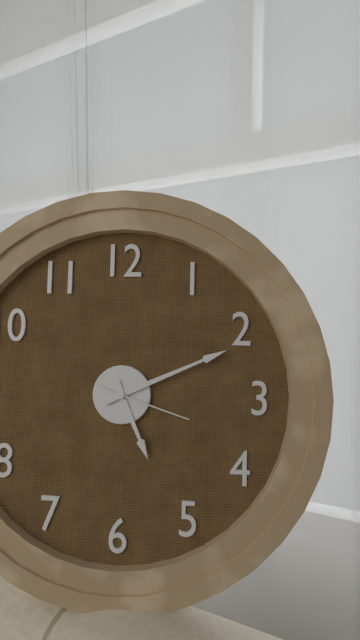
h=5 m=11 s=18
